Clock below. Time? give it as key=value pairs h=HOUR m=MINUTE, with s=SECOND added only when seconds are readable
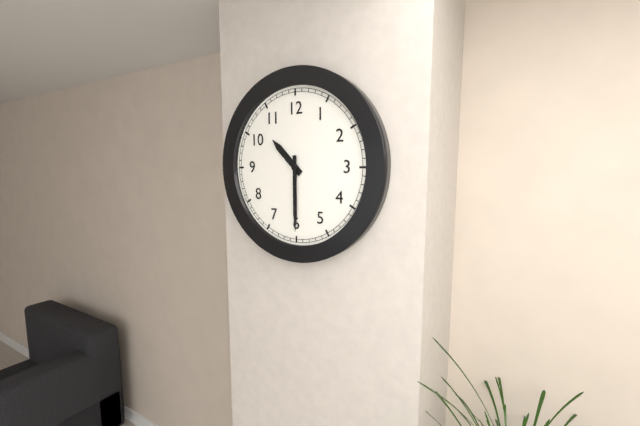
h=10 m=30
